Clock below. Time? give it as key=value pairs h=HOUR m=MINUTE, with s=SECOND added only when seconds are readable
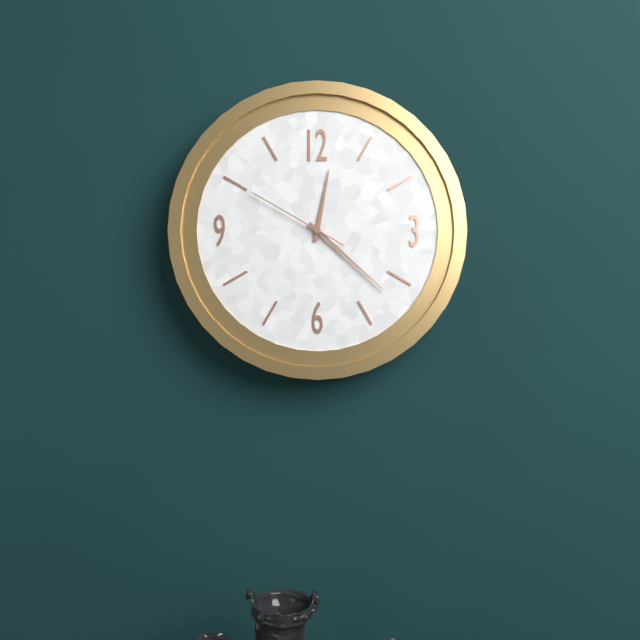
h=12 m=22 s=50
